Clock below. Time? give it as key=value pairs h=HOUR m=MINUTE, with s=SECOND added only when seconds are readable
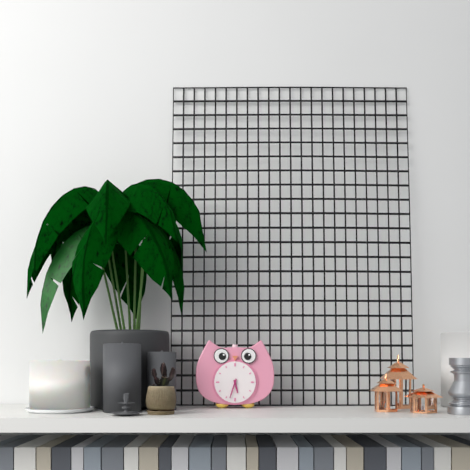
h=5 m=33
